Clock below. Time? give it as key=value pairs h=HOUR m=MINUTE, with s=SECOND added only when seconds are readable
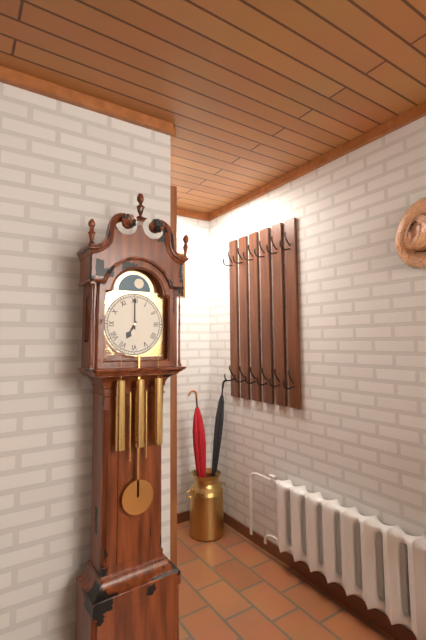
h=7 m=0
